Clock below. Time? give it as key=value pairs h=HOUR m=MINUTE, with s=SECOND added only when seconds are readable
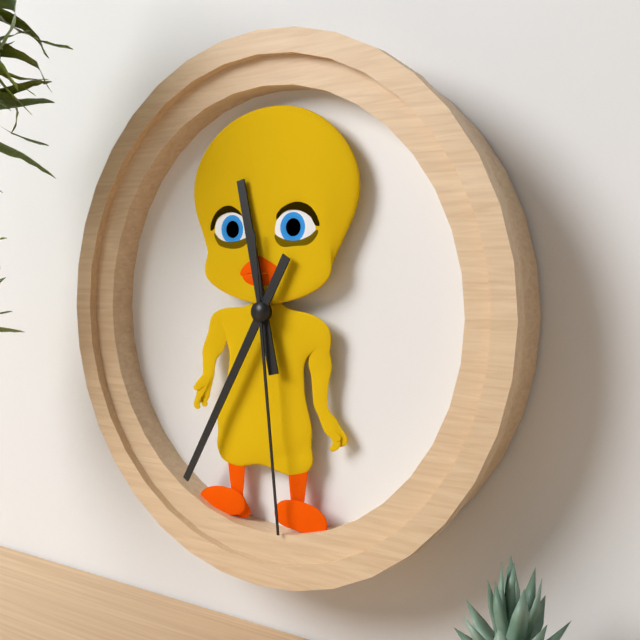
h=11 m=35 s=29
